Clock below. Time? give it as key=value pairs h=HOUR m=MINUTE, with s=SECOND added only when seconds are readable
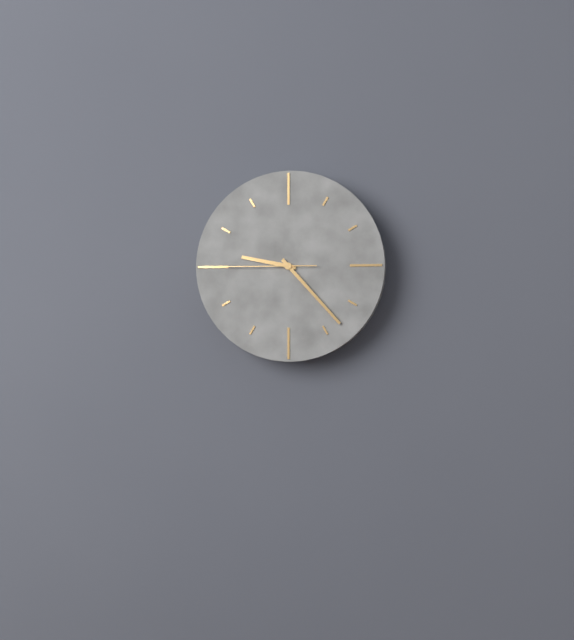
h=9 m=23 s=45
